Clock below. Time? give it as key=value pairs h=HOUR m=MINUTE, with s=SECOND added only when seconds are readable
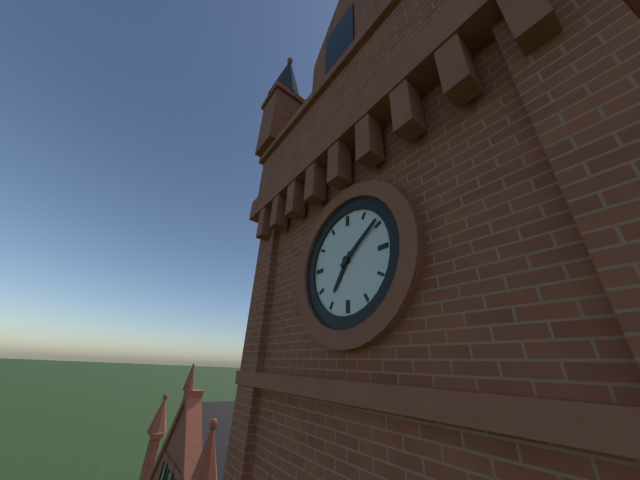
h=7 m=9
